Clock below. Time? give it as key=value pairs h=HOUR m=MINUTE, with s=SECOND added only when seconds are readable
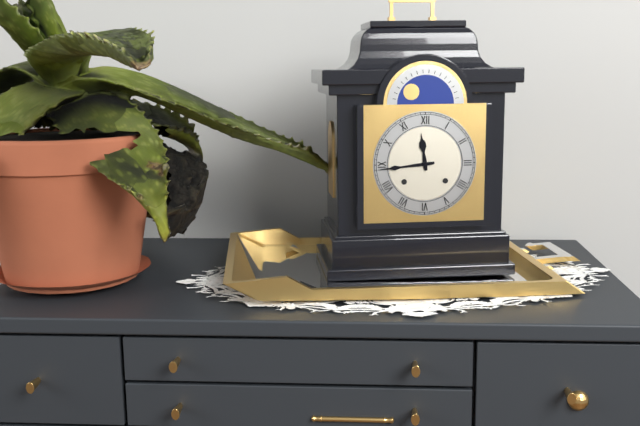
h=11 m=44
